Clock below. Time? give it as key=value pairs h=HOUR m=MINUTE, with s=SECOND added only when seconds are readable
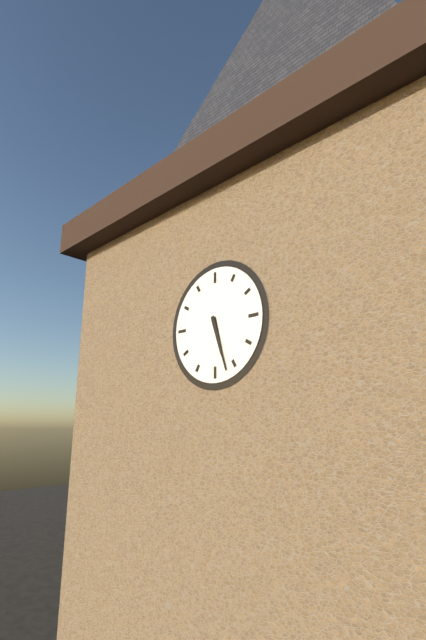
h=5 m=27
